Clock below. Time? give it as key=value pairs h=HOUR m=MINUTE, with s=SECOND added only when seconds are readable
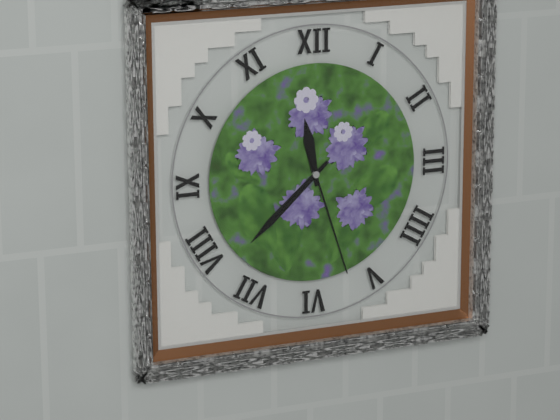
h=11 m=38 s=27
